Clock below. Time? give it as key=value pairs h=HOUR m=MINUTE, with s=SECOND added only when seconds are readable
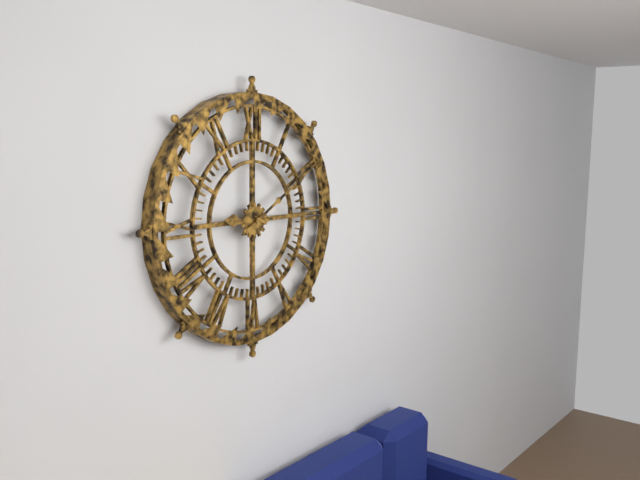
h=9 m=10
